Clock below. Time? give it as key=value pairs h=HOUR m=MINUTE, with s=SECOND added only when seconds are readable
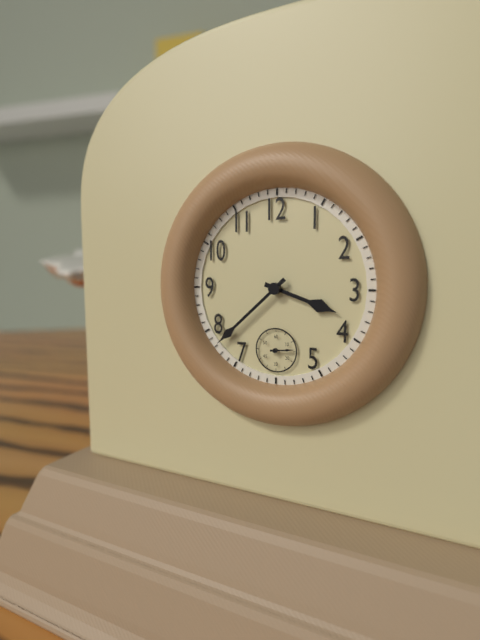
h=3 m=38
